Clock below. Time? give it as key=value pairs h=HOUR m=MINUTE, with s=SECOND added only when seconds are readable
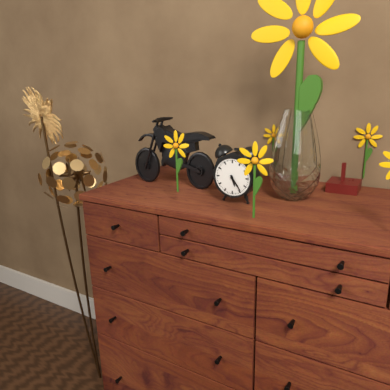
h=5 m=24
